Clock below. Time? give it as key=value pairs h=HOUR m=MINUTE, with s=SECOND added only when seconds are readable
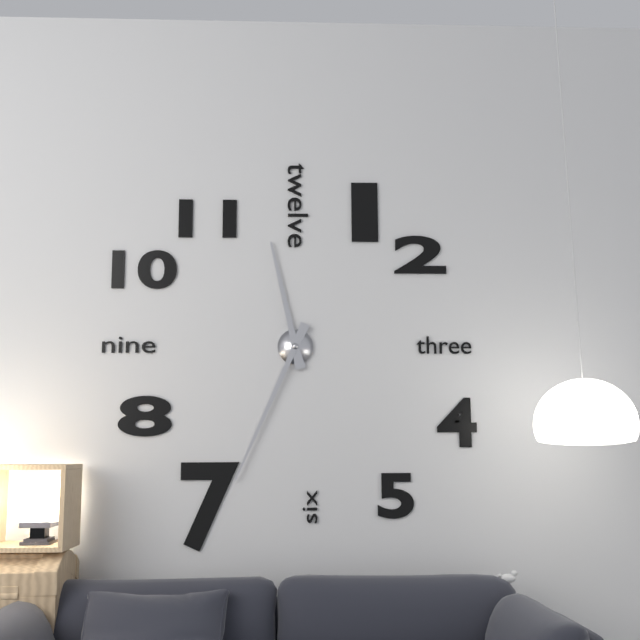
h=11 m=34
